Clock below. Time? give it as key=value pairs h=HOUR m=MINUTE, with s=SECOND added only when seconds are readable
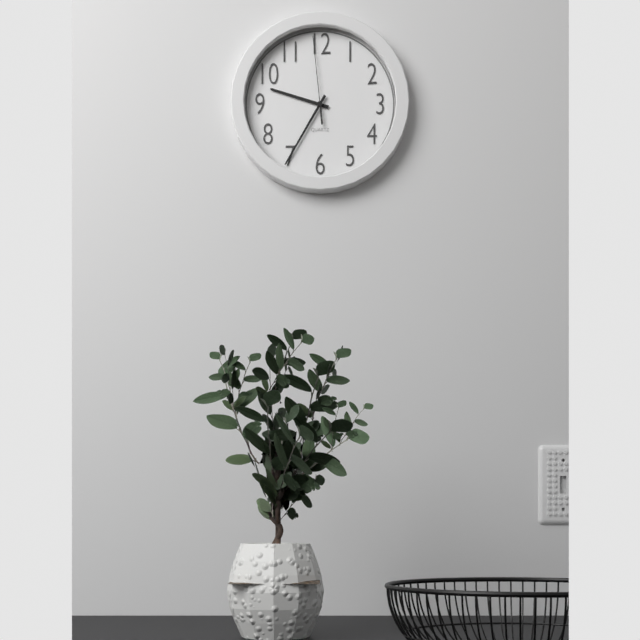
h=9 m=35 s=59
